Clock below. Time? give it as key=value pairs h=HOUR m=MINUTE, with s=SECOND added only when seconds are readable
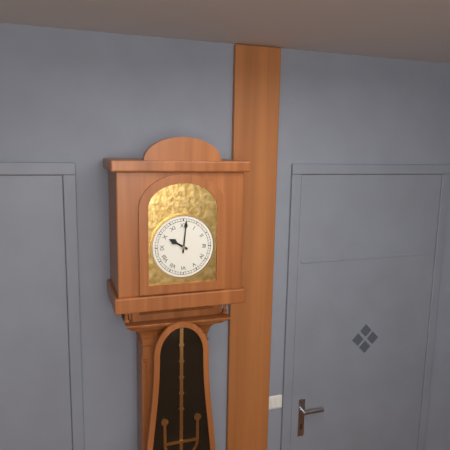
h=10 m=1
